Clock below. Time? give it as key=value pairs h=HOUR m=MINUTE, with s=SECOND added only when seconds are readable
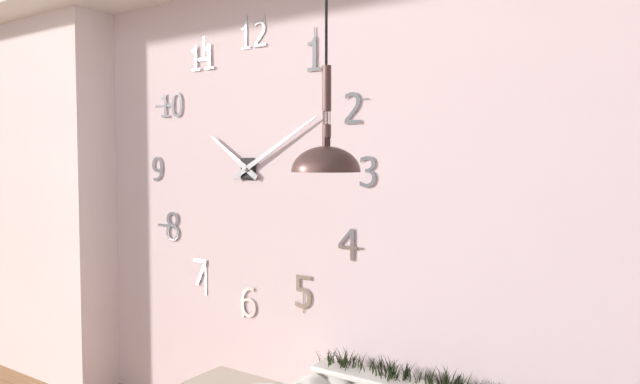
h=10 m=10
